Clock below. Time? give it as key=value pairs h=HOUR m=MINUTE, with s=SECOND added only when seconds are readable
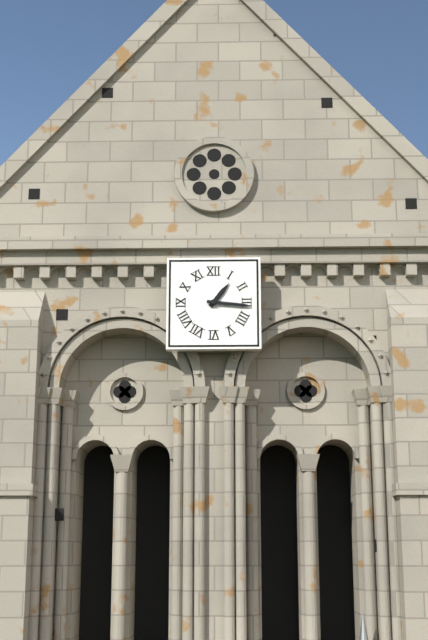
h=1 m=16
